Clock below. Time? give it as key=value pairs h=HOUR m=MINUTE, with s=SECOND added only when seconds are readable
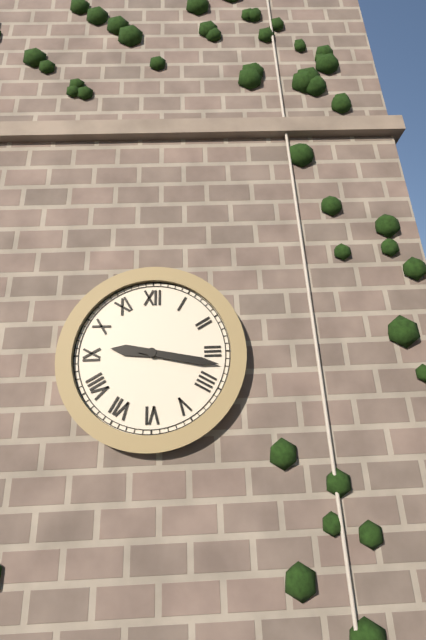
h=9 m=17
